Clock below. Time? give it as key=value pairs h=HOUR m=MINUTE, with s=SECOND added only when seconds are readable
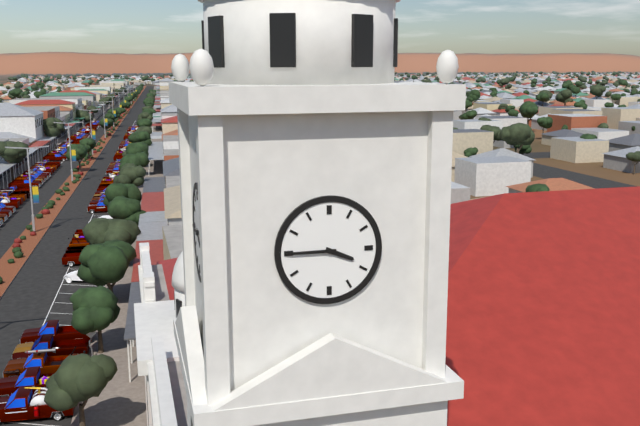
h=3 m=45
